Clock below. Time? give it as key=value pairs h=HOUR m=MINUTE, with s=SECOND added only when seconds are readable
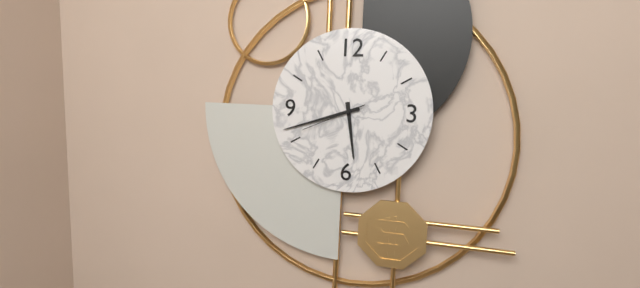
h=5 m=42 s=41
